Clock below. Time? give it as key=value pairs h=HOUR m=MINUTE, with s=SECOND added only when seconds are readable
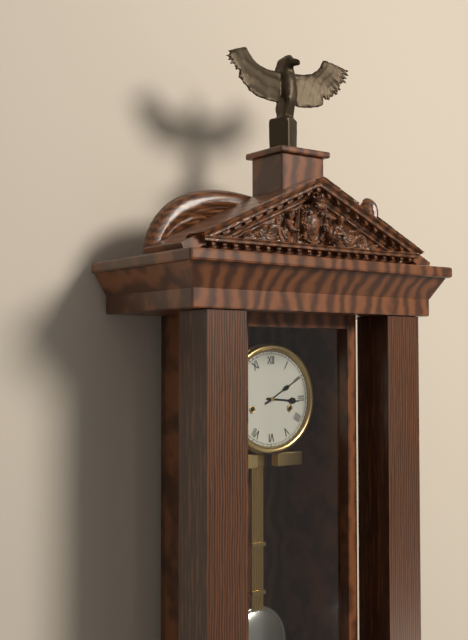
h=3 m=10
